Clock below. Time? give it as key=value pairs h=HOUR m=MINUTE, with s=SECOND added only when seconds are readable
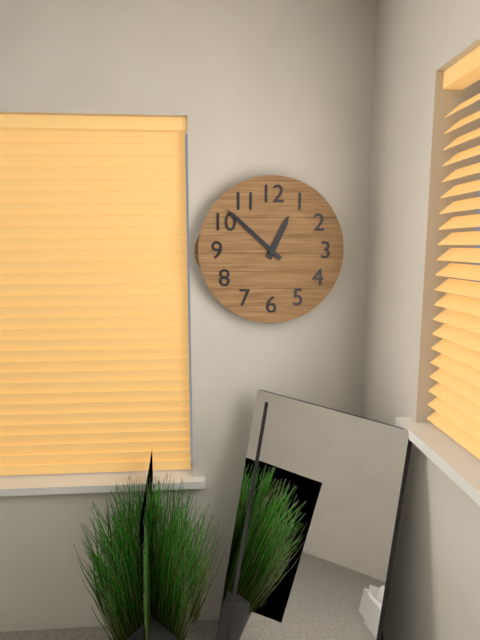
h=12 m=52
